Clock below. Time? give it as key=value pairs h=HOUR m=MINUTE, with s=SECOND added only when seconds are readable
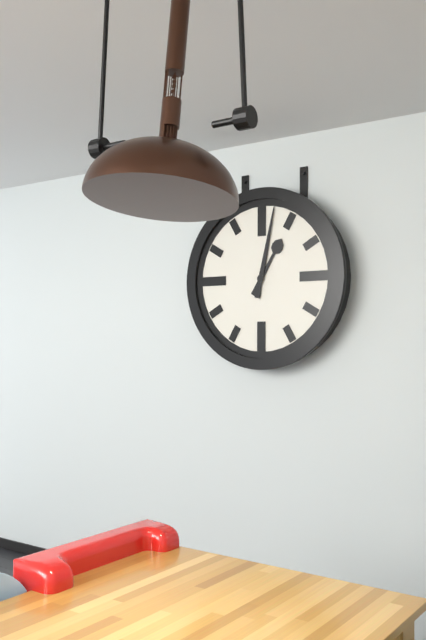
h=1 m=2
